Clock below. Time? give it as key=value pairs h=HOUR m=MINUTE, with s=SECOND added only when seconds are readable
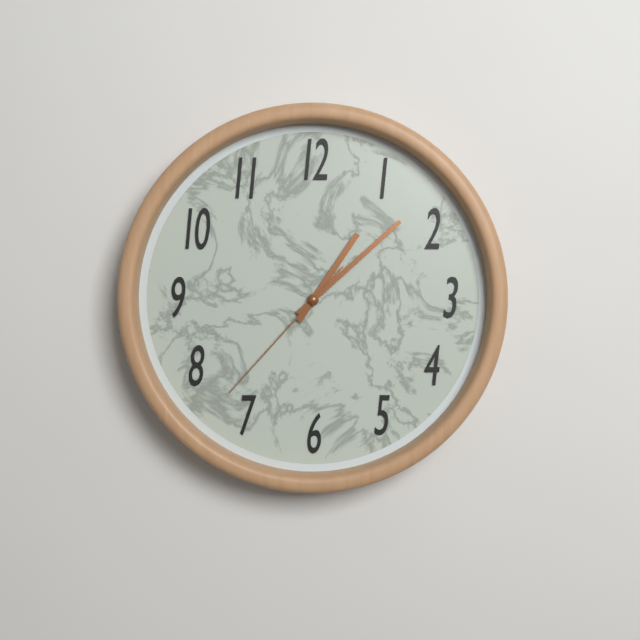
h=1 m=8 s=37
